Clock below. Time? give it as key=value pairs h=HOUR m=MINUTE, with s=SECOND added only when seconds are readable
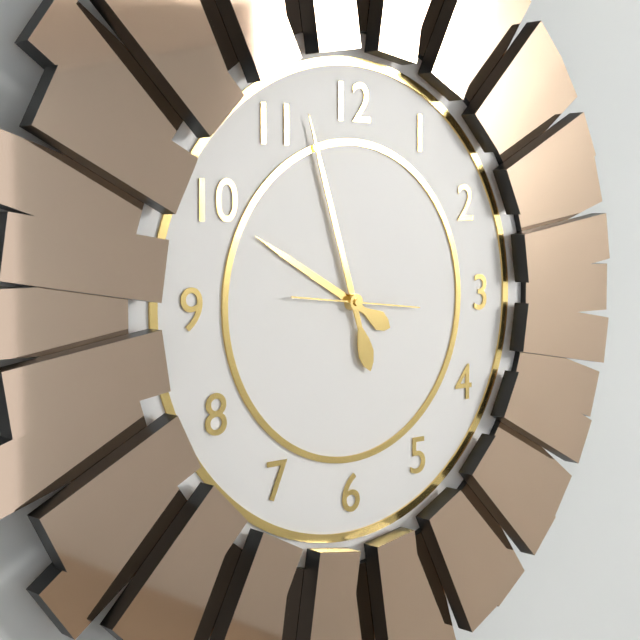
h=9 m=57 s=16
